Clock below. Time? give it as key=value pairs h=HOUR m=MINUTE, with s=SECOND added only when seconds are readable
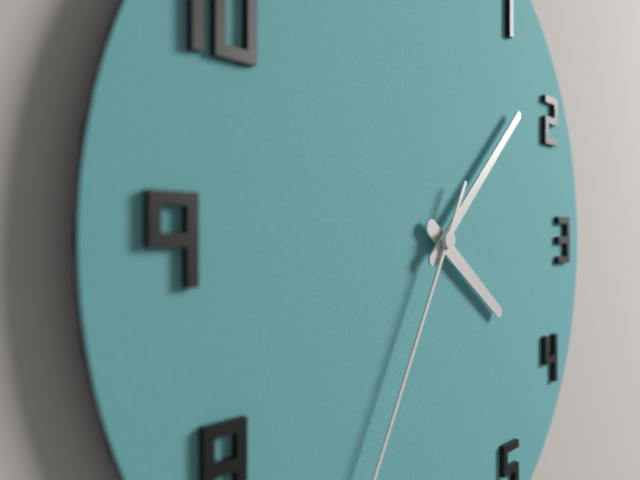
h=4 m=8
